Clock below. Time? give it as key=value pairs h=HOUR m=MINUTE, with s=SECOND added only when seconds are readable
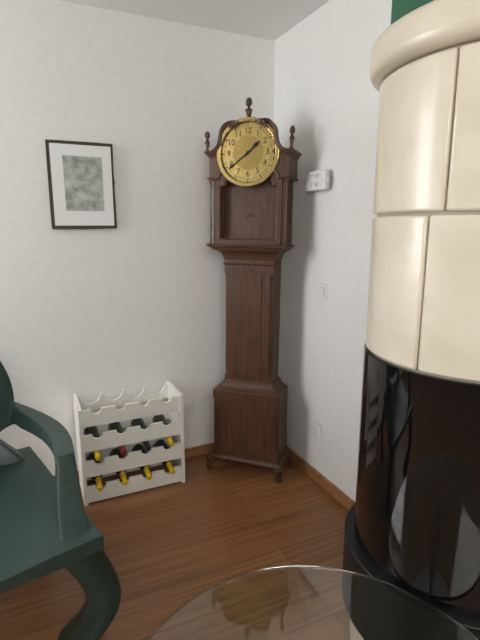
h=1 m=39
